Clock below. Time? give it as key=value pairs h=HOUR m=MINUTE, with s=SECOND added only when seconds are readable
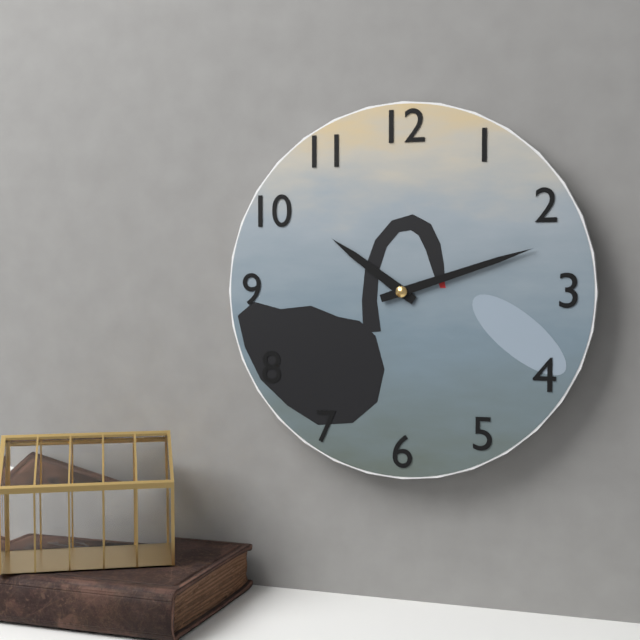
h=10 m=12
